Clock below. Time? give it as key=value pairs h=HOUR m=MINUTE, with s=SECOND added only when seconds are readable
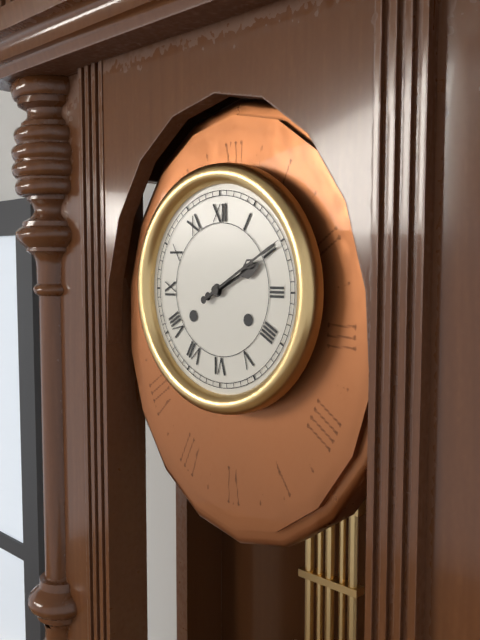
h=2 m=10
